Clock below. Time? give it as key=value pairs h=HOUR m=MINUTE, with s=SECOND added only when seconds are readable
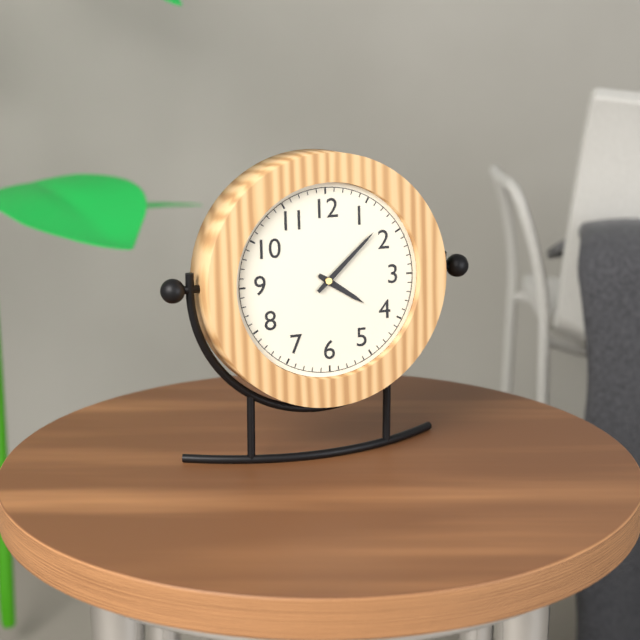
h=4 m=8
